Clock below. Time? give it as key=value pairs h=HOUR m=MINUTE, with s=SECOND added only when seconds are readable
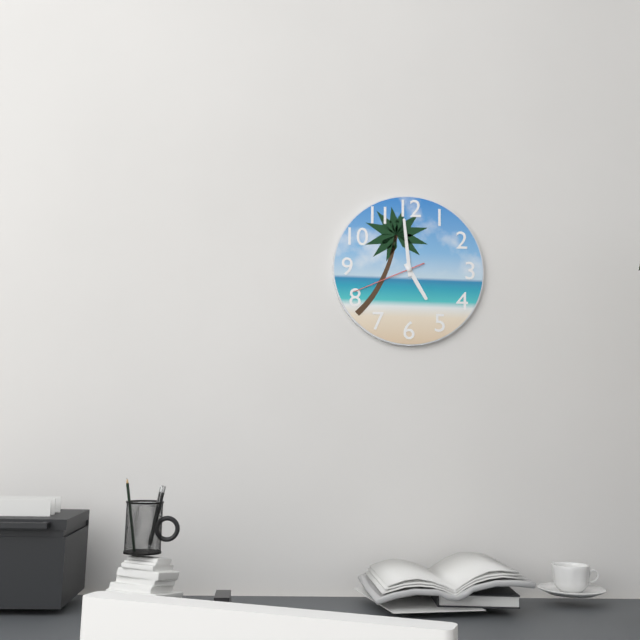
h=4 m=59 s=41
